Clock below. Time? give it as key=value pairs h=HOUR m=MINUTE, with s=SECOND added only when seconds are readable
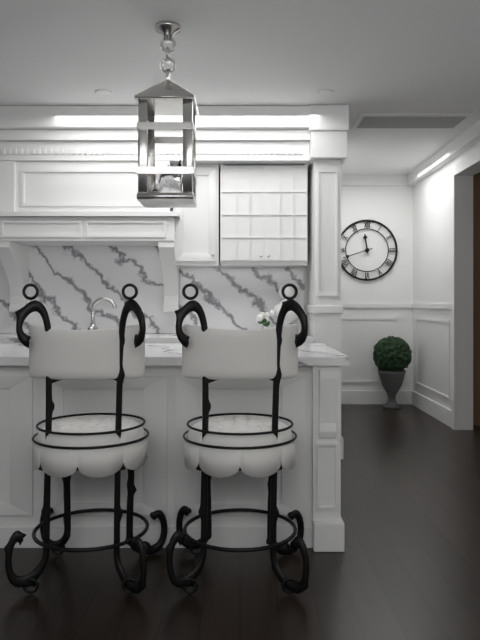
h=11 m=42
